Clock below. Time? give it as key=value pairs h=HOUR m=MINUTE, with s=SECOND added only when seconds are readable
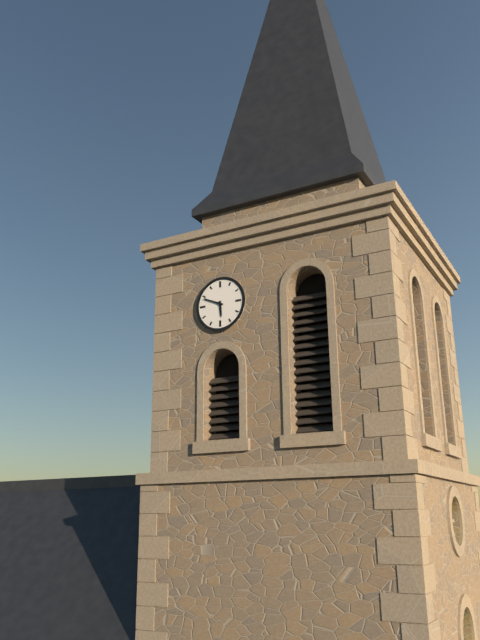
h=5 m=49
